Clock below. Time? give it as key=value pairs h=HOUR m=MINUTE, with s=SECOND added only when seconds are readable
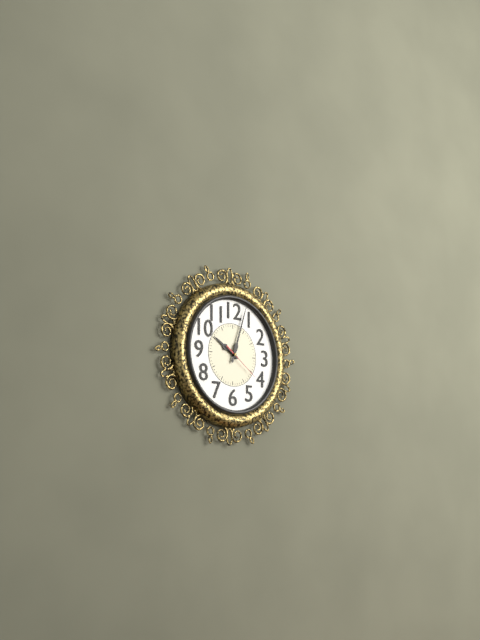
h=10 m=3
